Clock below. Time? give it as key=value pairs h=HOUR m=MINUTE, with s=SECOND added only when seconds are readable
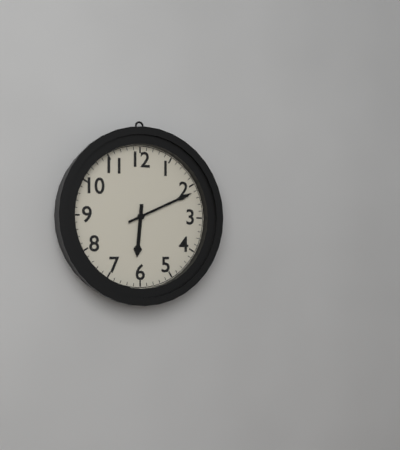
h=6 m=11
